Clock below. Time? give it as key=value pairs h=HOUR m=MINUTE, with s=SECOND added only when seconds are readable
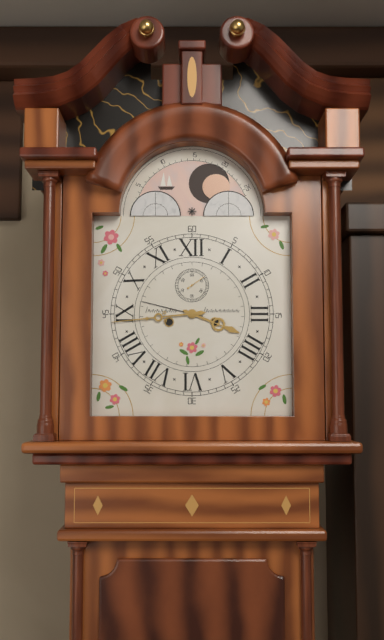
h=3 m=44
